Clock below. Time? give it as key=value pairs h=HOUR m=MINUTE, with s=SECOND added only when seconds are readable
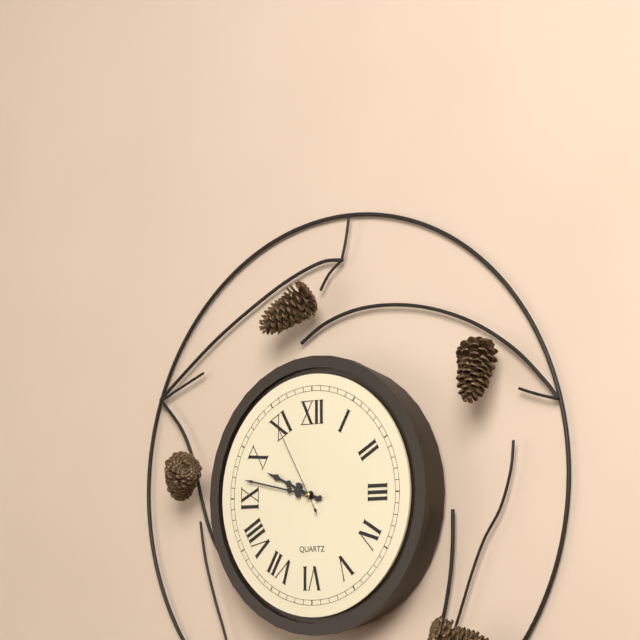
h=9 m=47 s=55
